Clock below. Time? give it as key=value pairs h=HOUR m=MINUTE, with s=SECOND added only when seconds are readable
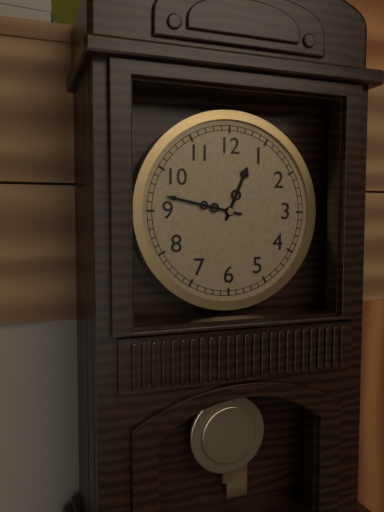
h=12 m=47
